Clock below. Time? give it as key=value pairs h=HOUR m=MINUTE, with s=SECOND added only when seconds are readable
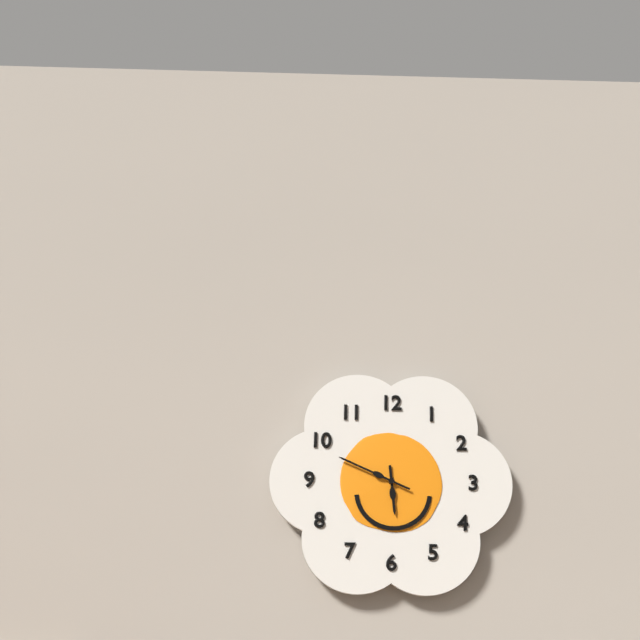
h=5 m=49
